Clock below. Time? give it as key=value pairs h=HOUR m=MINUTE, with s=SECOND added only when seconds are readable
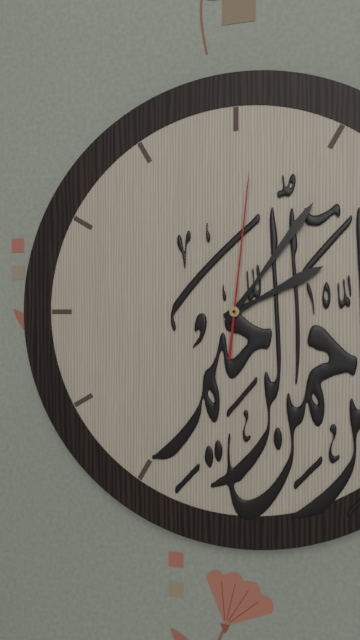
h=2 m=6 s=1
